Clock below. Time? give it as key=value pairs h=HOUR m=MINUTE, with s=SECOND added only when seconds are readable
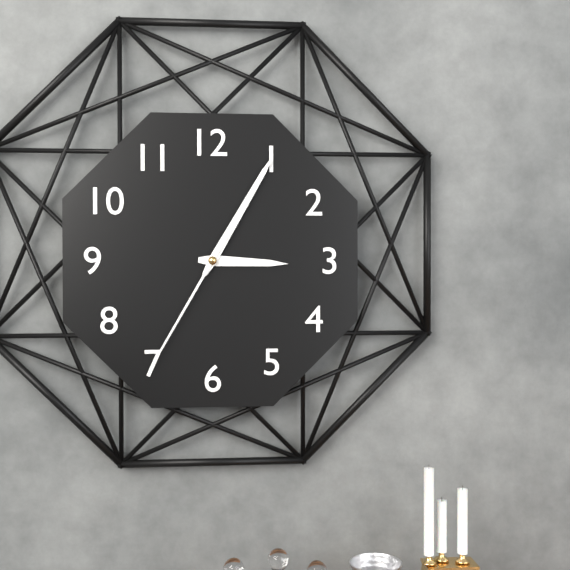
h=3 m=5 s=35
